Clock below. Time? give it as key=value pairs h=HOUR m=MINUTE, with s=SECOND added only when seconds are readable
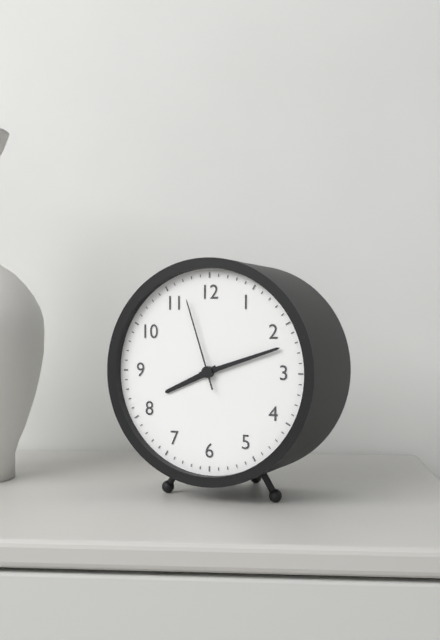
h=8 m=12 s=57
